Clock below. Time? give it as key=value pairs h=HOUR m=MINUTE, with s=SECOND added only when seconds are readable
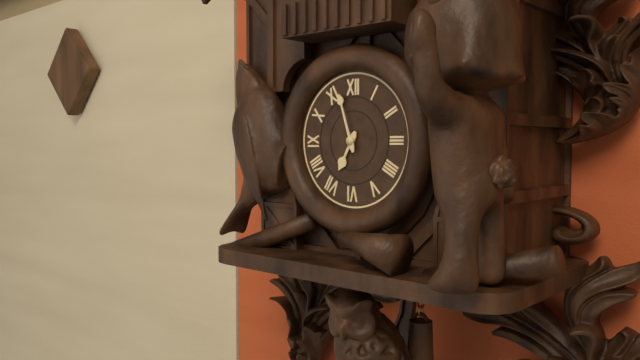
h=6 m=57
